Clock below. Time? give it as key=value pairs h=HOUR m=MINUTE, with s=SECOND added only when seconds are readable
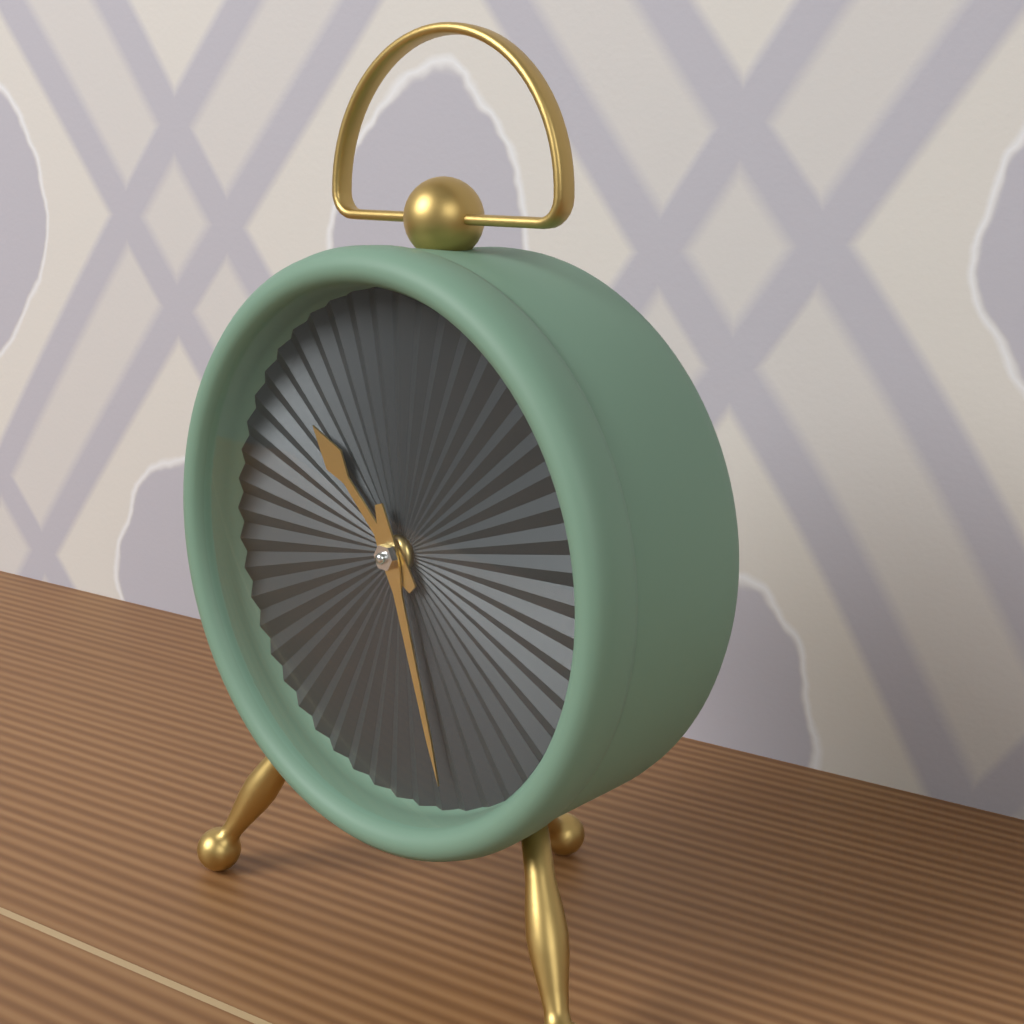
h=10 m=27
